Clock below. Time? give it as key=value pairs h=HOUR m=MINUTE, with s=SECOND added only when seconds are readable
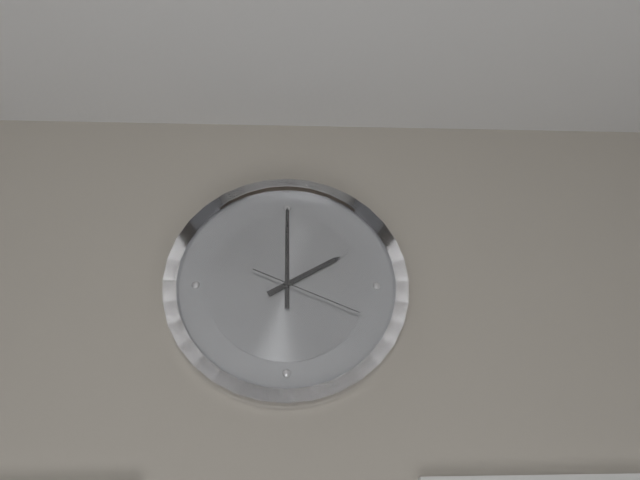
h=2 m=0 s=19
